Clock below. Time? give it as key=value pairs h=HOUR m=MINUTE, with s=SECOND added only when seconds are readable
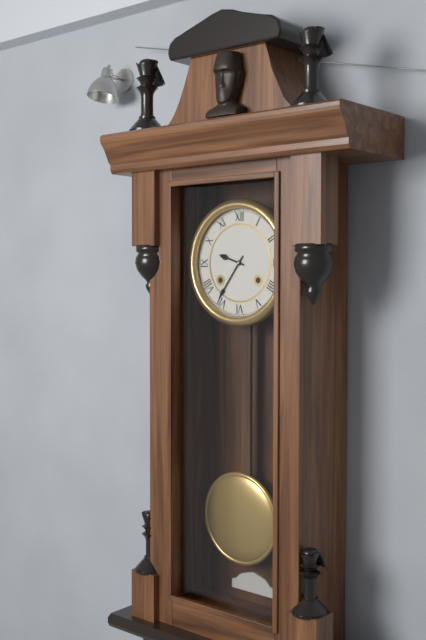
h=9 m=36
